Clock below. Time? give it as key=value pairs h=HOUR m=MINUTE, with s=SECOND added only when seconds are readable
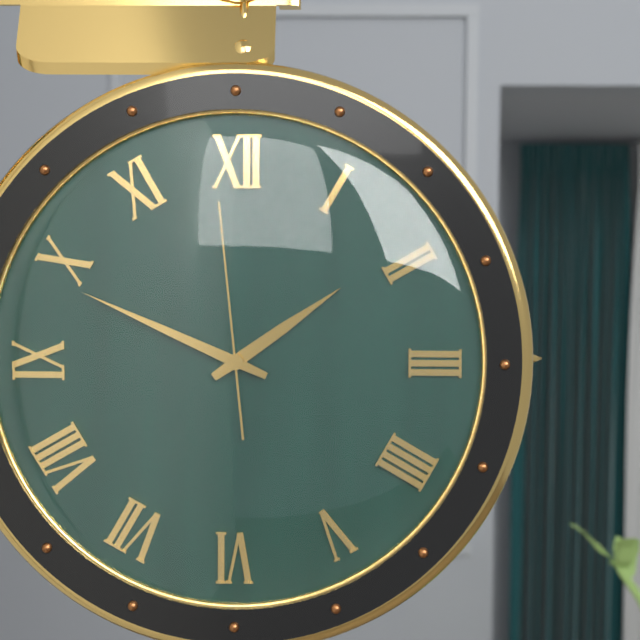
h=1 m=49 s=59
